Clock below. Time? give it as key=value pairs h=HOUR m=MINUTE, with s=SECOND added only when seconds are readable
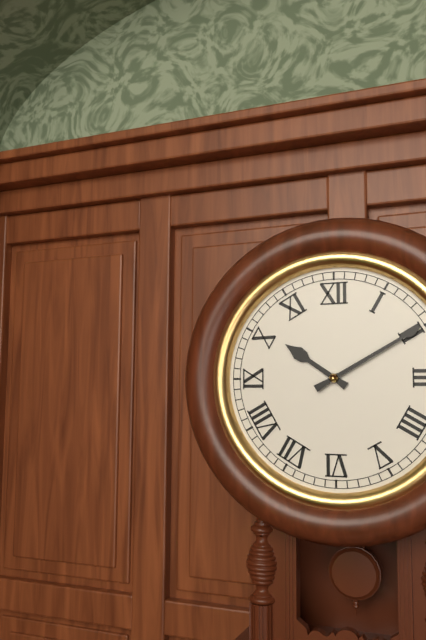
h=10 m=10
